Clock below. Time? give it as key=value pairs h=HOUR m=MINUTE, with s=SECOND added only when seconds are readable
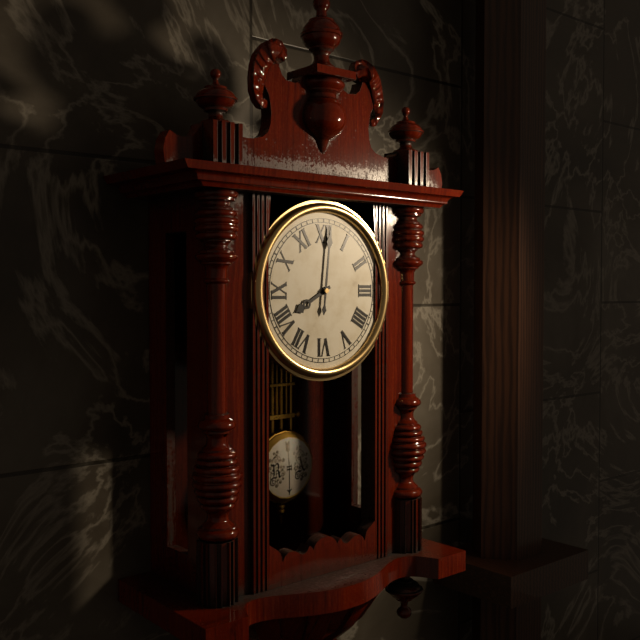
h=8 m=1
